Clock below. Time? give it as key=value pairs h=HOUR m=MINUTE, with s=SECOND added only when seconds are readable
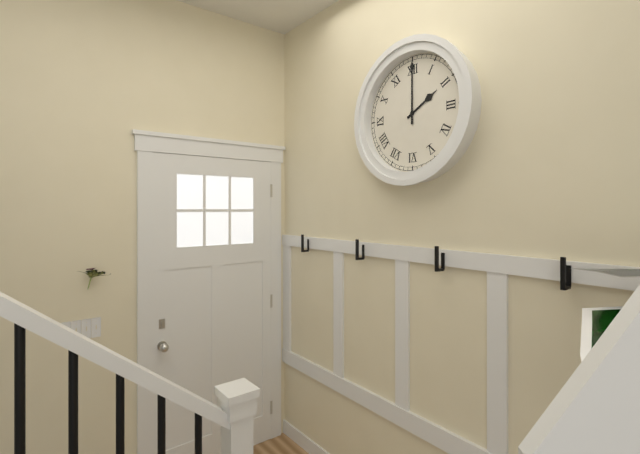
h=2 m=0
